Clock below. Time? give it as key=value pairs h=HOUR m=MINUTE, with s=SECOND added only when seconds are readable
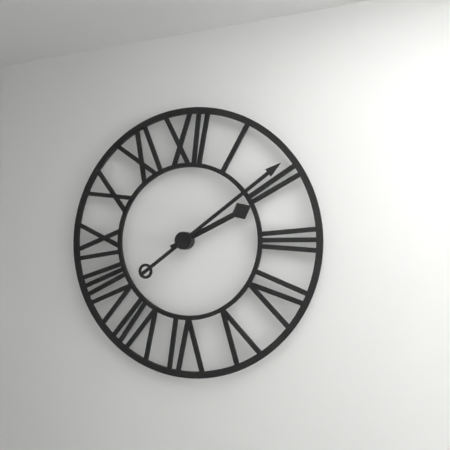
h=2 m=9
